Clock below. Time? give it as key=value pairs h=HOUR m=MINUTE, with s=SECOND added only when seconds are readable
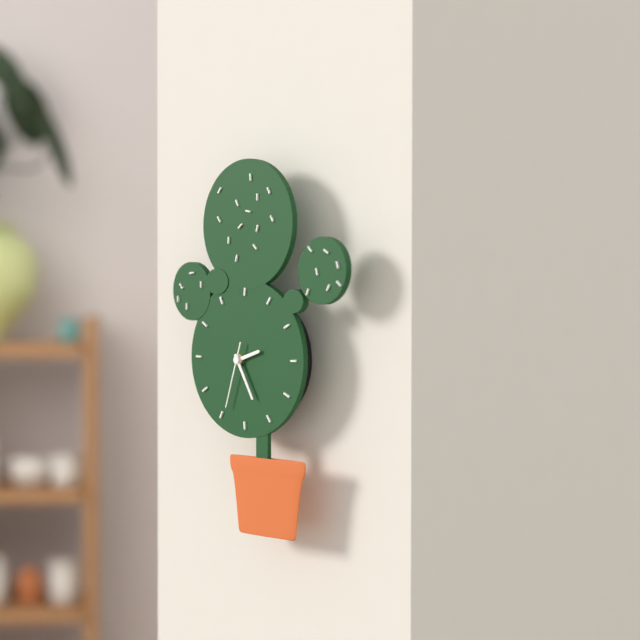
h=2 m=25 s=33
